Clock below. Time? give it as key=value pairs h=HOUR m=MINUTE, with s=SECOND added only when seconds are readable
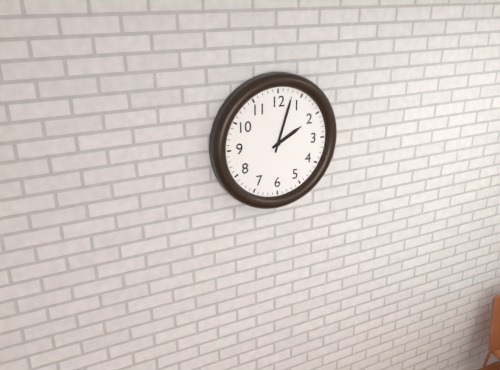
h=2 m=3
